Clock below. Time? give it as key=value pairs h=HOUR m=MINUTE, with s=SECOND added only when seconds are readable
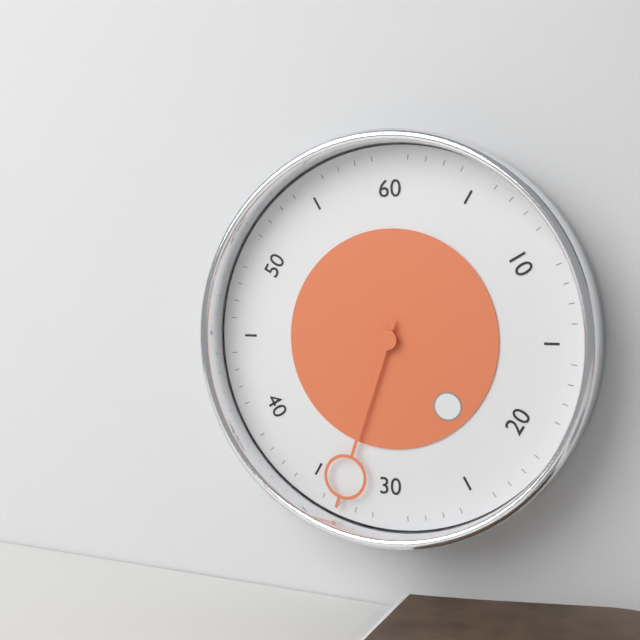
h=4 m=33
